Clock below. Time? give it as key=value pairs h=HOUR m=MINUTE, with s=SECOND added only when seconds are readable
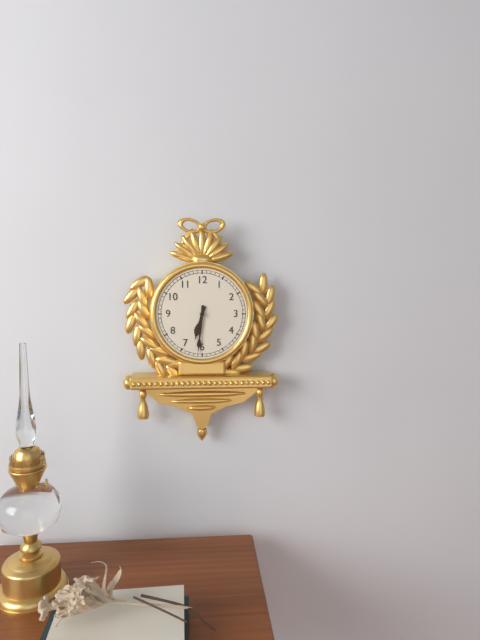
h=6 m=31
